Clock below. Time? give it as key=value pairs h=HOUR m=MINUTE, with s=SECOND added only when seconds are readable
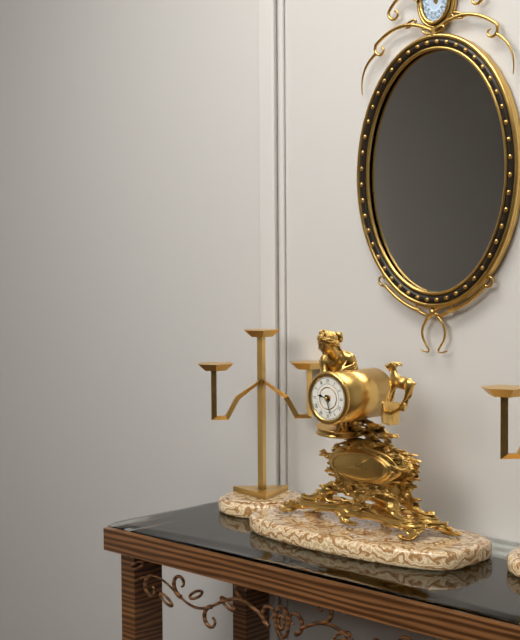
h=9 m=27
